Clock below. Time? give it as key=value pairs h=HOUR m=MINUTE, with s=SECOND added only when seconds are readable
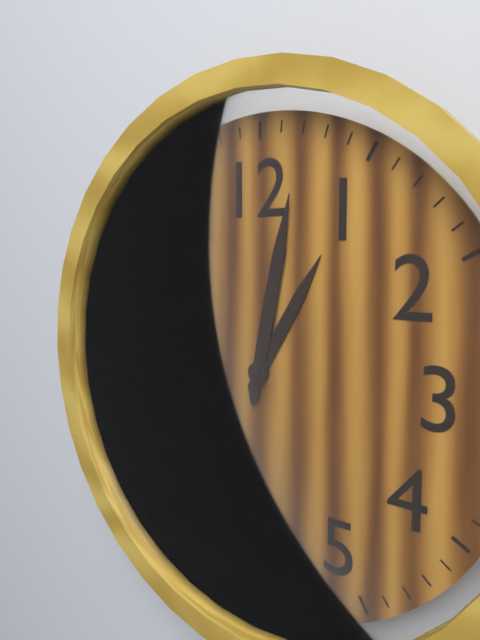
h=1 m=2
